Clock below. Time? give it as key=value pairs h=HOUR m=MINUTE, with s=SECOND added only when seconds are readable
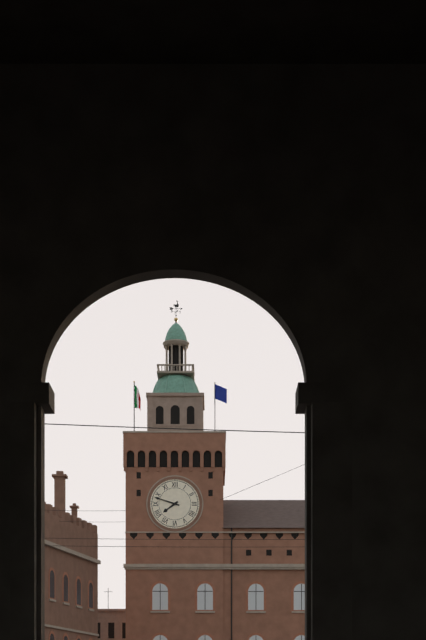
h=7 m=48
